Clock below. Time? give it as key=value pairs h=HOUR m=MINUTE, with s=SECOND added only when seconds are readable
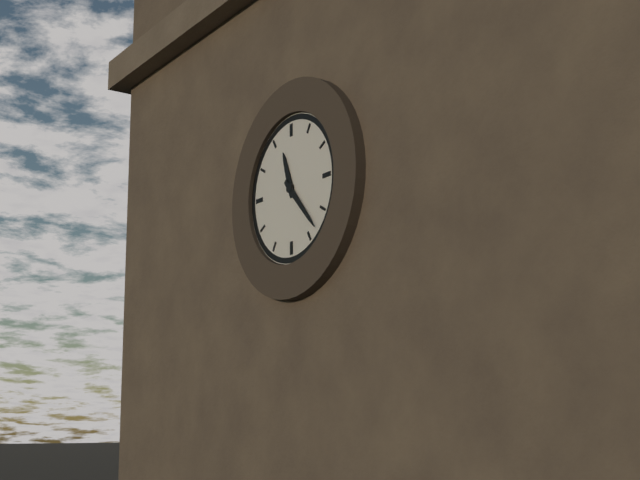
h=11 m=23
